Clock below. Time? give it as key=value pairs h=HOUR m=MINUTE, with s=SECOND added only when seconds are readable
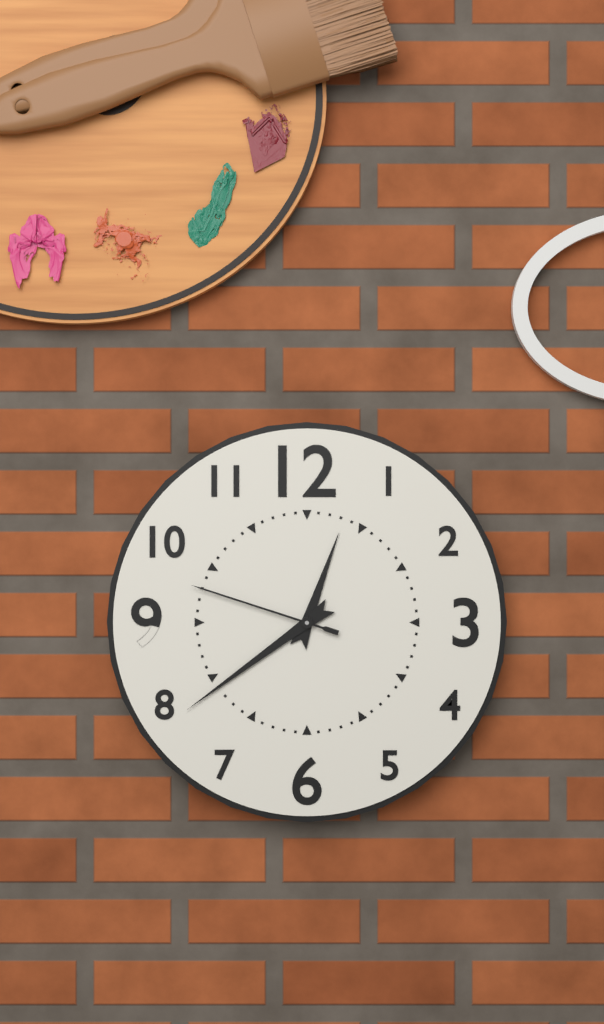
h=12 m=39 s=48
